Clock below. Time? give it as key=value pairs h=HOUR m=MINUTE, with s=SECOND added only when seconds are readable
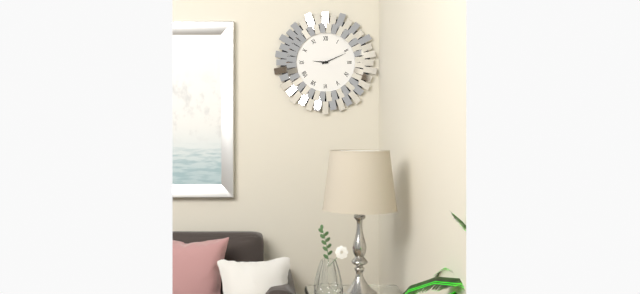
h=9 m=11
